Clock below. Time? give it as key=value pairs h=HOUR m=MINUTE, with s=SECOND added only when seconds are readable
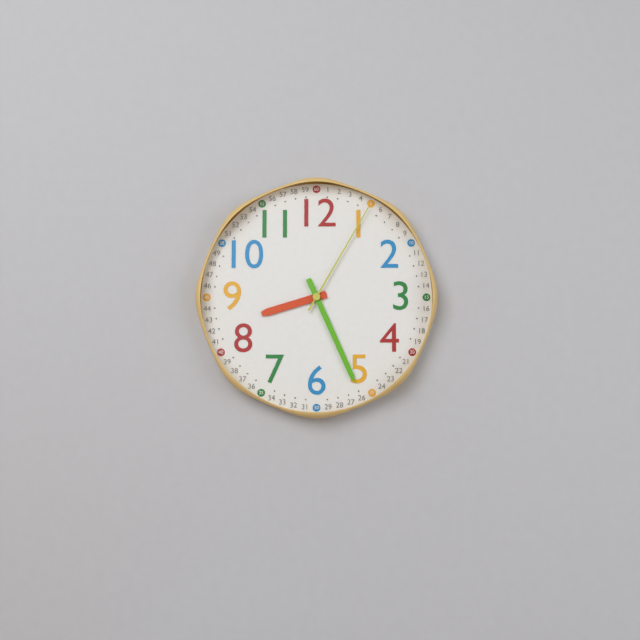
h=8 m=26 s=5
